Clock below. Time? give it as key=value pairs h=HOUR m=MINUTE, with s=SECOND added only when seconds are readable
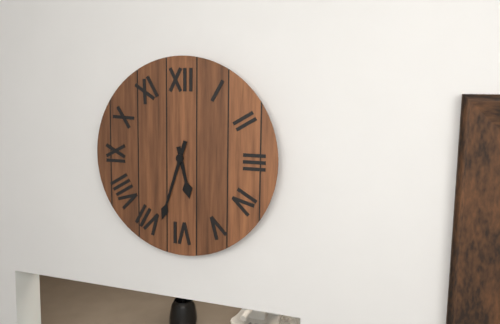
h=5 m=33
